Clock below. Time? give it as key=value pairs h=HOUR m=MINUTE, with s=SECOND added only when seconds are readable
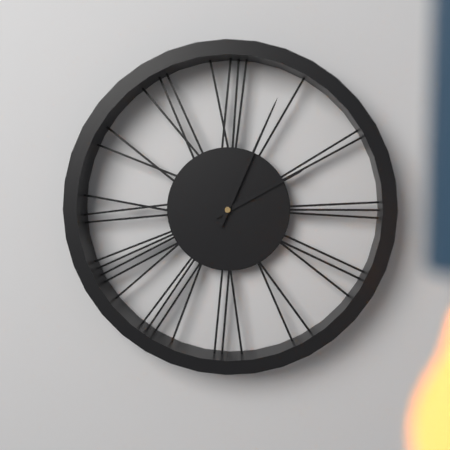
h=2 m=4
